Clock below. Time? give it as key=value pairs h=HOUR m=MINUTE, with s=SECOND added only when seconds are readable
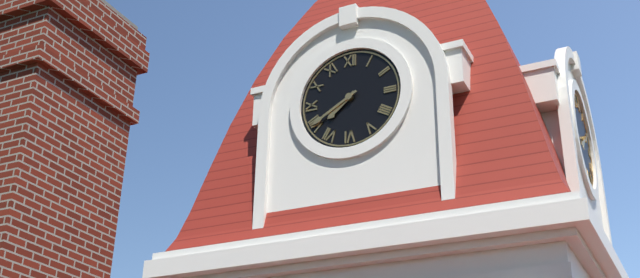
h=7 m=40
